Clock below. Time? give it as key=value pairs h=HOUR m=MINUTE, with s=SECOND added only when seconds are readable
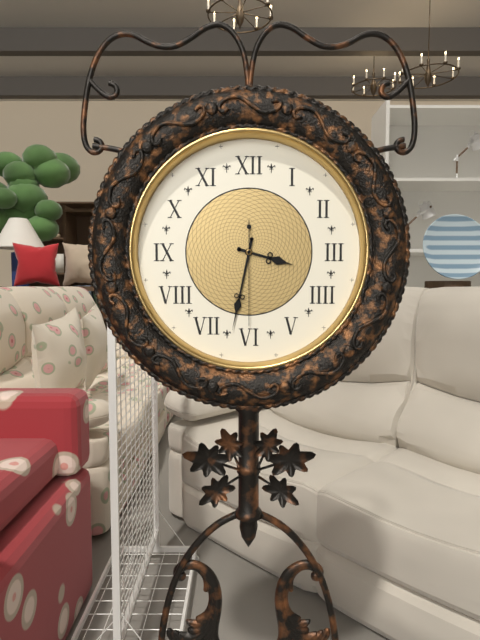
h=3 m=32 s=30
